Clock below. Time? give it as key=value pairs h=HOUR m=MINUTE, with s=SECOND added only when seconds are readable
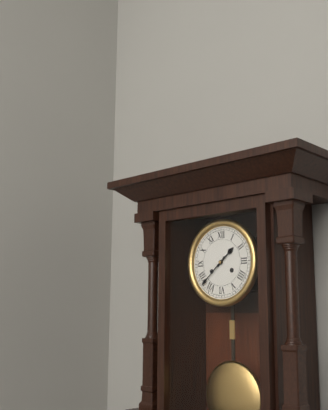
h=1 m=38
